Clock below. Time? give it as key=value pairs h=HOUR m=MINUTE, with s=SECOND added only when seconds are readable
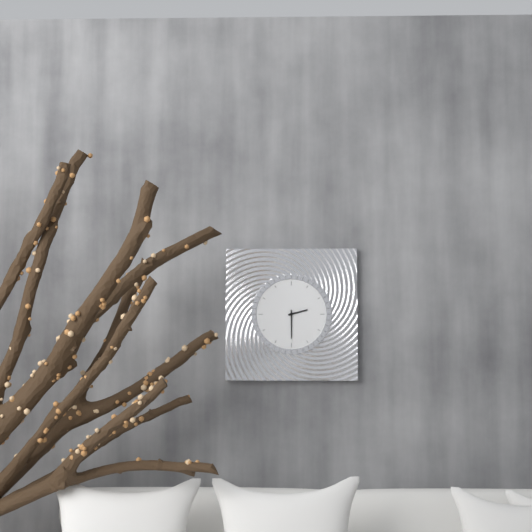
h=2 m=30
